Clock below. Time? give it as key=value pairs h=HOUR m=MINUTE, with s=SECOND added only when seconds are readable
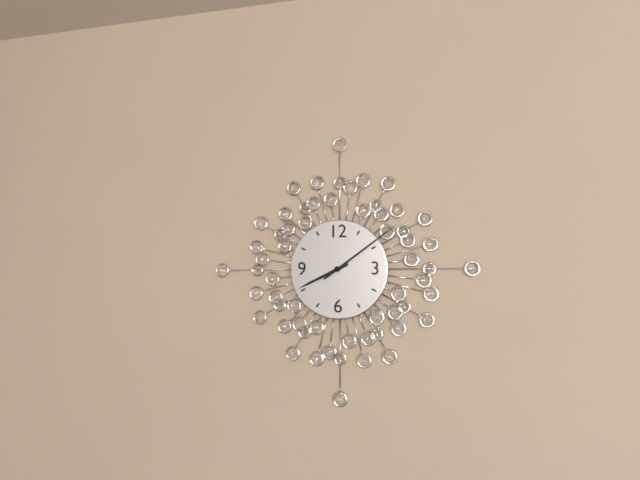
h=8 m=9
